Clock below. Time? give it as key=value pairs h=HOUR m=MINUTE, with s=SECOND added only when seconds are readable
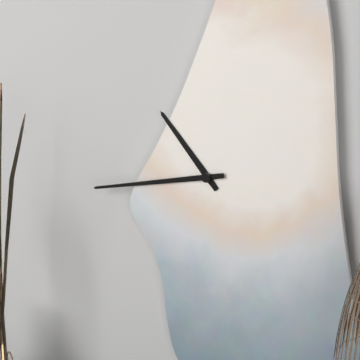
h=10 m=43
